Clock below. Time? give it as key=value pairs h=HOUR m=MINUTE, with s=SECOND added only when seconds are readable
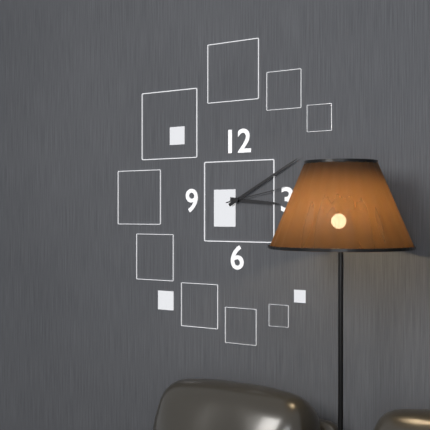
h=3 m=10 s=13
